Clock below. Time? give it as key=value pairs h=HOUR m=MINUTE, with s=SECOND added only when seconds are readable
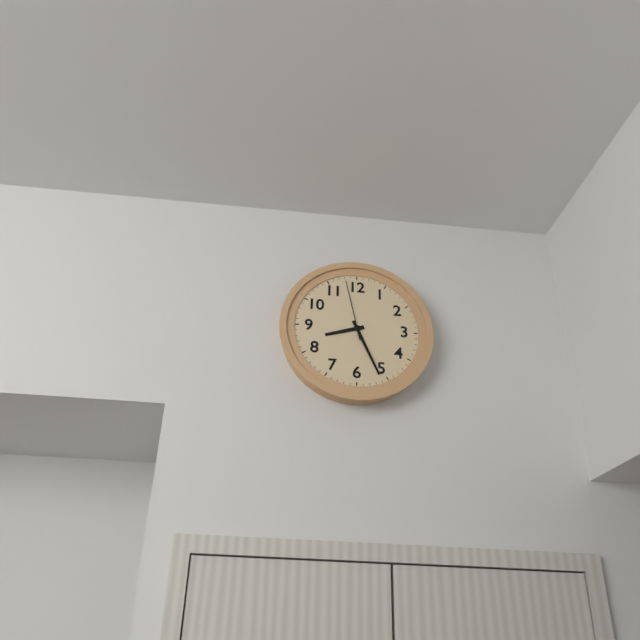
h=8 m=26 s=58
